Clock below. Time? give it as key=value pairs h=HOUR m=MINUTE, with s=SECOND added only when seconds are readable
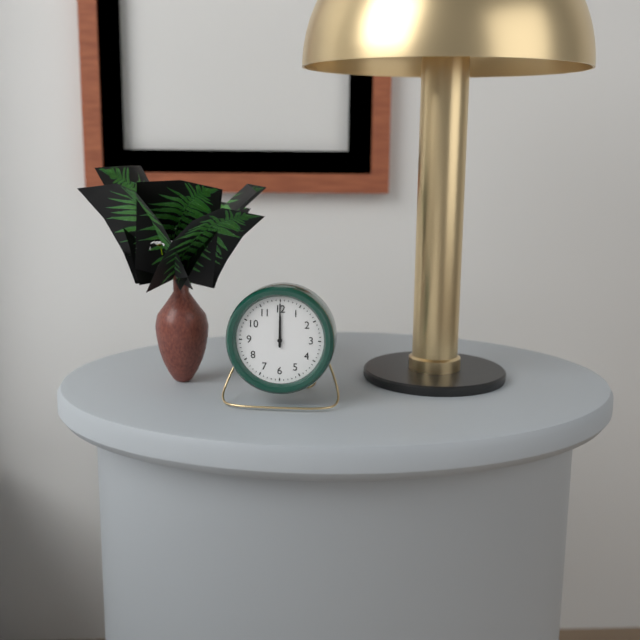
h=12 m=0
